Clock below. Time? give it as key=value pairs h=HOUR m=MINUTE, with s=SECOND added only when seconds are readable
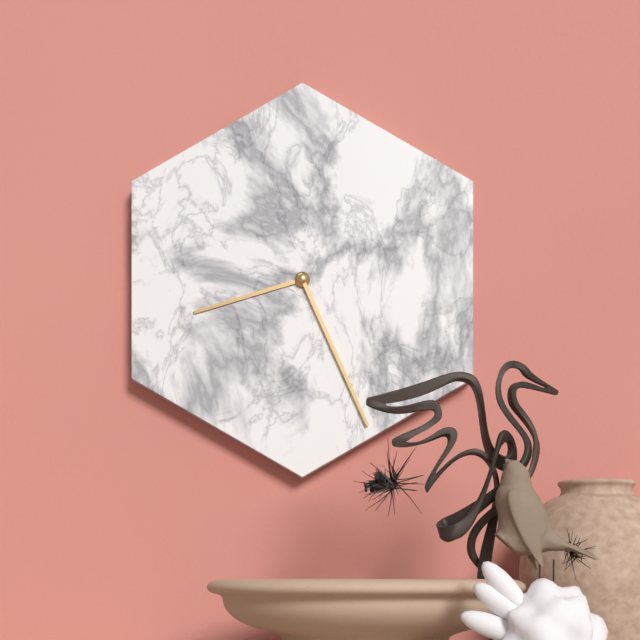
h=8 m=26
